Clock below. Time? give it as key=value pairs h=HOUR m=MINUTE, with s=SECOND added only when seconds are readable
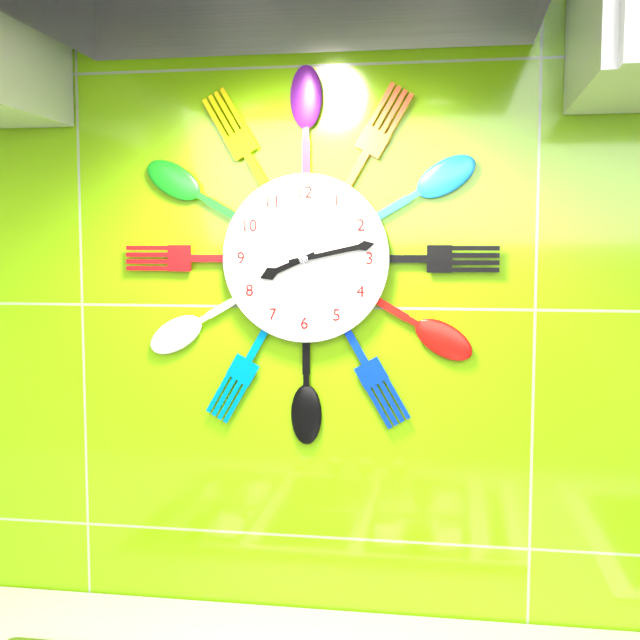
h=8 m=13
